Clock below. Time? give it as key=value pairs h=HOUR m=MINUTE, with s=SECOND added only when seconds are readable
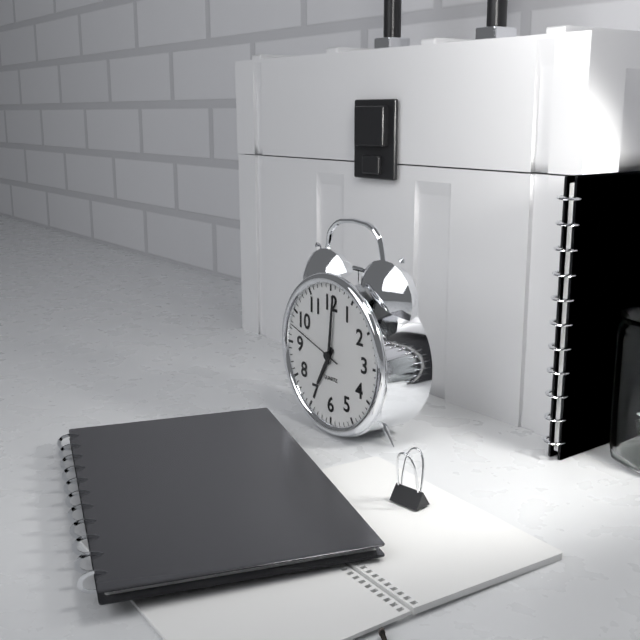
h=7 m=1 s=48
